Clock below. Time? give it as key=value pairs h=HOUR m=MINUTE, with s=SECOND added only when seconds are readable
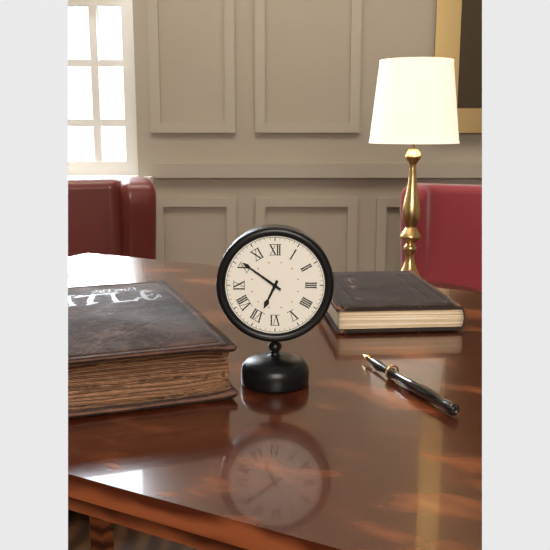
h=6 m=51
